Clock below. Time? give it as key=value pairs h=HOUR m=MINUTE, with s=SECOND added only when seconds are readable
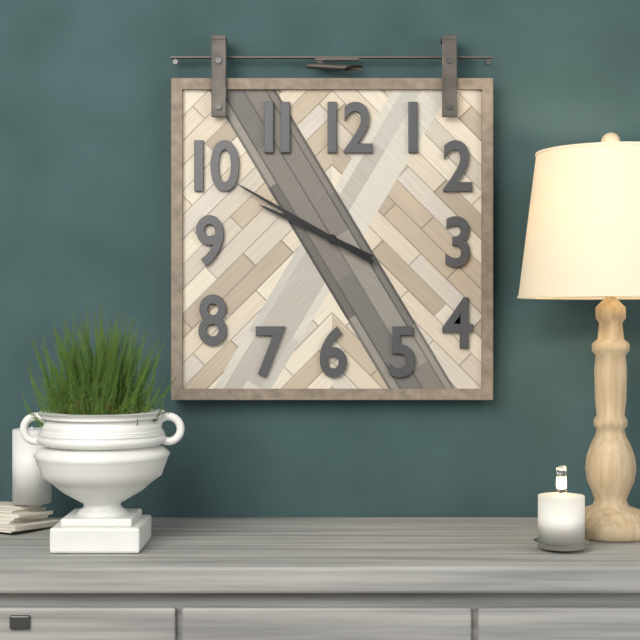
h=9 m=50
